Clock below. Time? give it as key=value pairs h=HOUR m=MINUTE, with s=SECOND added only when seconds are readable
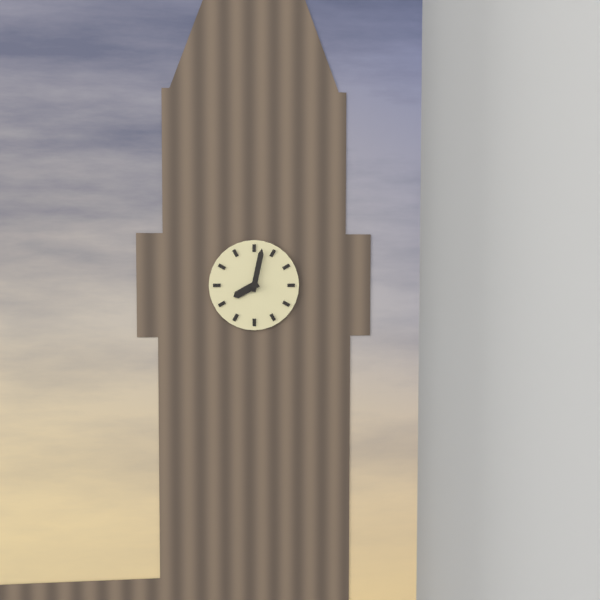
h=8 m=2
